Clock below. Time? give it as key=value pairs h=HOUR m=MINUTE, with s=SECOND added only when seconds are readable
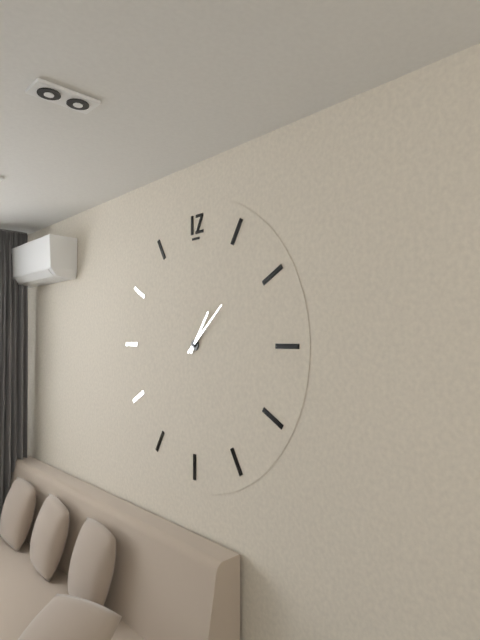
h=1 m=8
